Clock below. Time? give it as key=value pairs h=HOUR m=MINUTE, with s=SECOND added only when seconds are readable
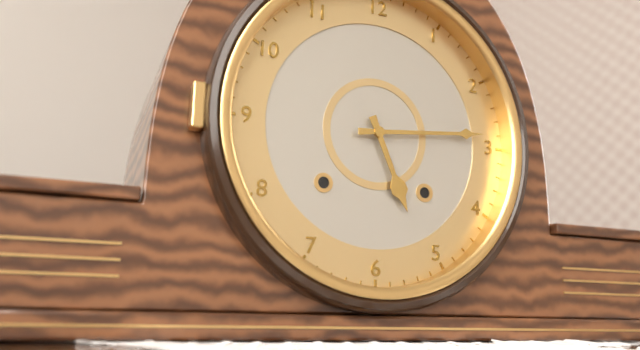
h=5 m=14
